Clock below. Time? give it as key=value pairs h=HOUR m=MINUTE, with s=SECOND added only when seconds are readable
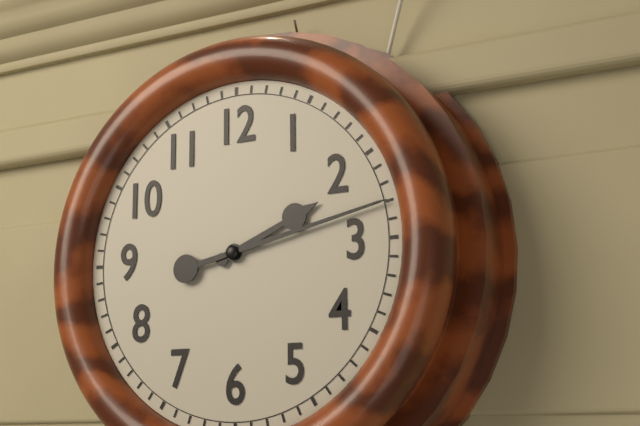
h=2 m=13
